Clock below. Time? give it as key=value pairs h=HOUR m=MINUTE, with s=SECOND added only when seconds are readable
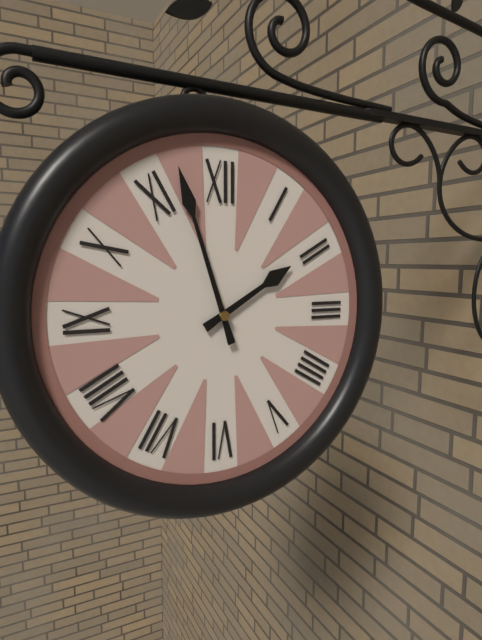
h=1 m=57
